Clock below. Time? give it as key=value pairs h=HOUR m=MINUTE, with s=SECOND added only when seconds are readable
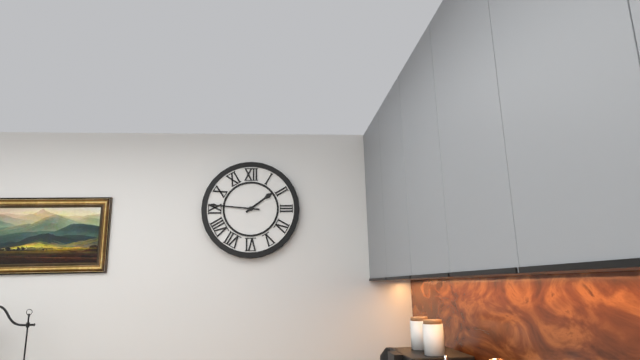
h=1 m=46
